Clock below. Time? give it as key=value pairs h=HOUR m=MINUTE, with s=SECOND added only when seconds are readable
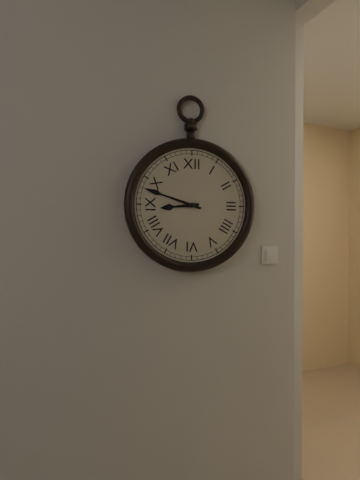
h=8 m=48
